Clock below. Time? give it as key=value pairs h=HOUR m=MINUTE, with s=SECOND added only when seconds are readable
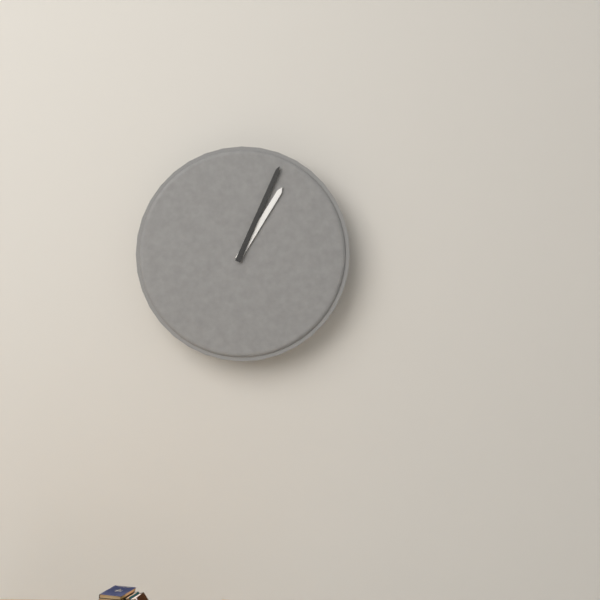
h=1 m=4
